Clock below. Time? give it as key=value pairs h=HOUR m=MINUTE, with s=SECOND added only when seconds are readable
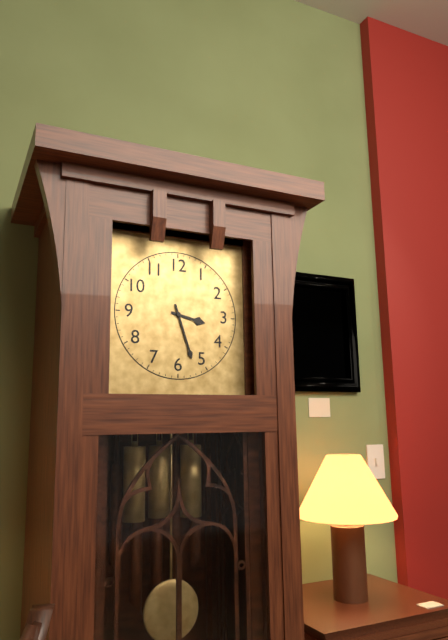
h=3 m=27
